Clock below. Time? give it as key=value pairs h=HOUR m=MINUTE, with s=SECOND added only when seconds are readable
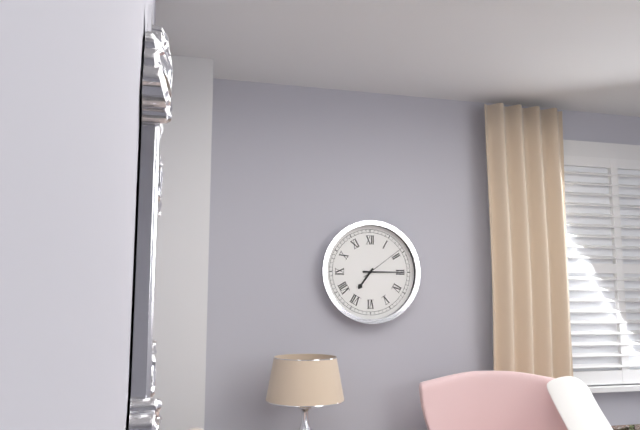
h=7 m=15
